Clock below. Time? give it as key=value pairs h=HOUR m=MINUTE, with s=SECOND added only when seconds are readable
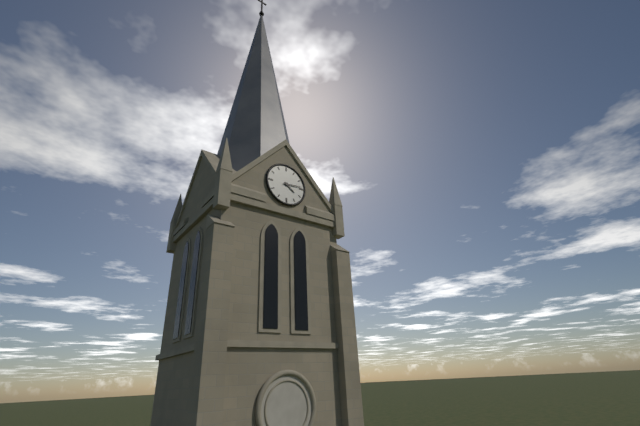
h=4 m=14
